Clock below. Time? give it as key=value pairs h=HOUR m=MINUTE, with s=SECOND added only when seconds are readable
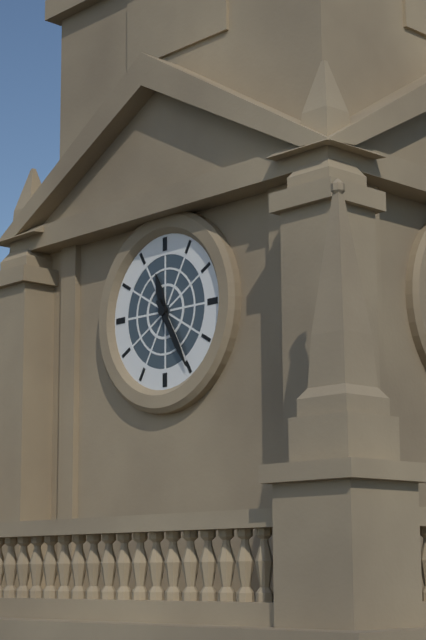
h=11 m=25
